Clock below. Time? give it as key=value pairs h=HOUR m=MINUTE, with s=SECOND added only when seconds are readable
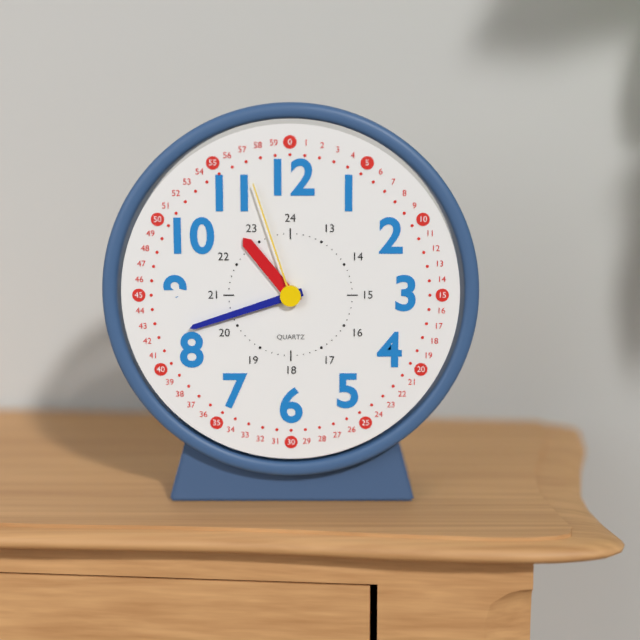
h=10 m=42 s=57
